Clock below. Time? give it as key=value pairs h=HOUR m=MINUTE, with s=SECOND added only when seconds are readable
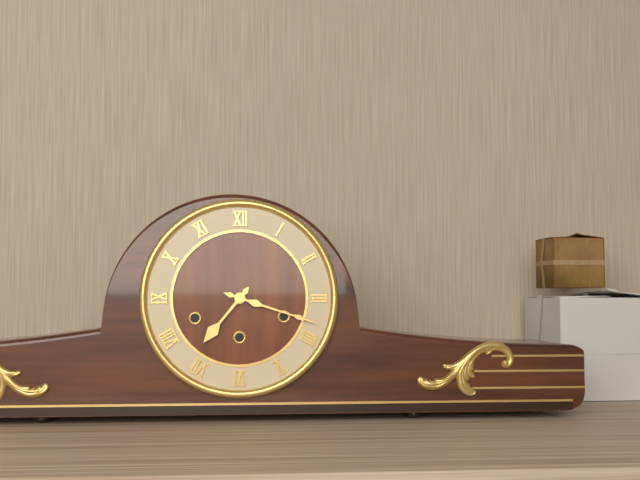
h=7 m=18
